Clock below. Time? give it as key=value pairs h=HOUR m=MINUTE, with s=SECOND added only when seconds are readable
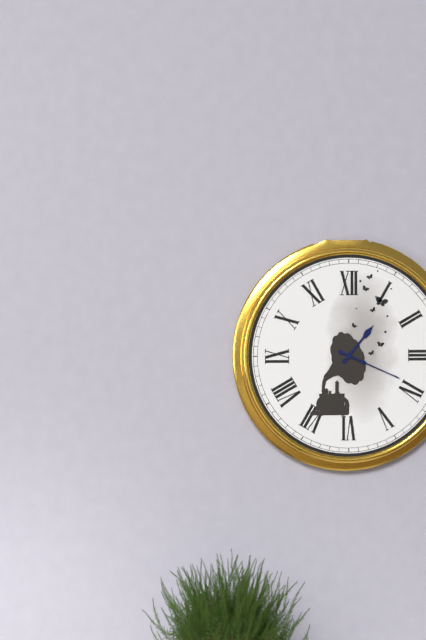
h=1 m=19
